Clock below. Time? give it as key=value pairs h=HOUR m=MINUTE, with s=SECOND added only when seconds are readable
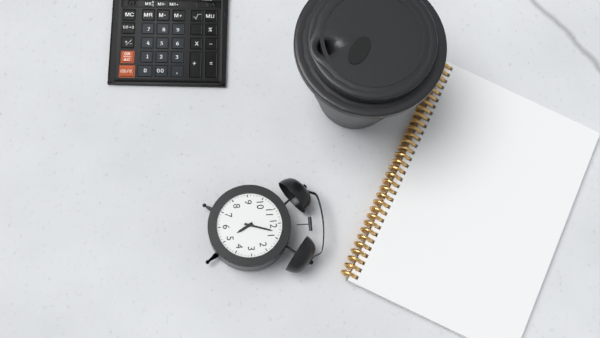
h=5 m=3
